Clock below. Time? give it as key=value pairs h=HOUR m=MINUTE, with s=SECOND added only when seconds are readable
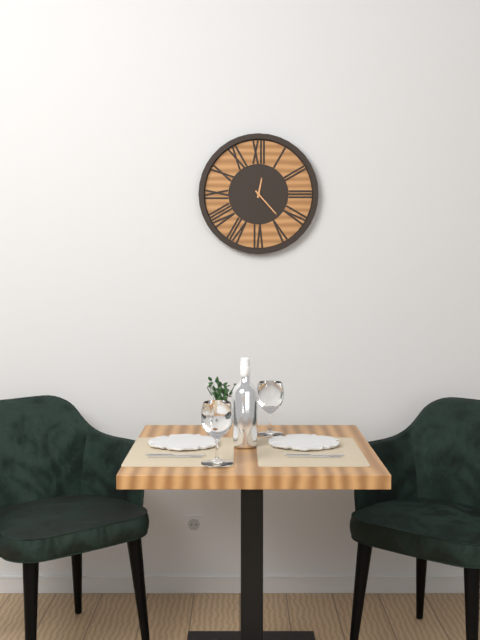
h=12 m=23
